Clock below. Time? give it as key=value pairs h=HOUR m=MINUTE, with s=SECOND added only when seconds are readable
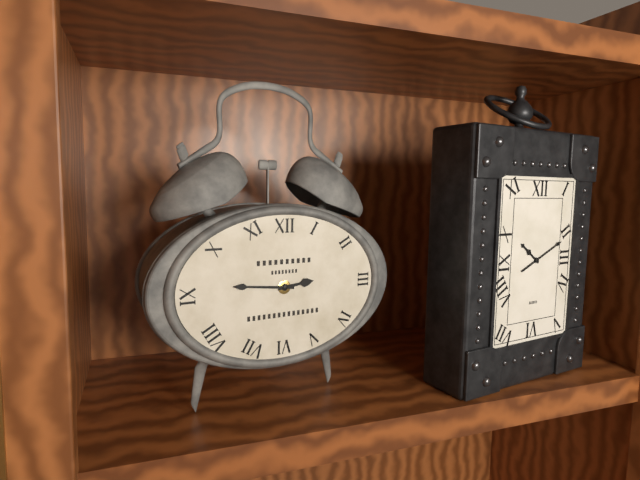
h=2 m=46
